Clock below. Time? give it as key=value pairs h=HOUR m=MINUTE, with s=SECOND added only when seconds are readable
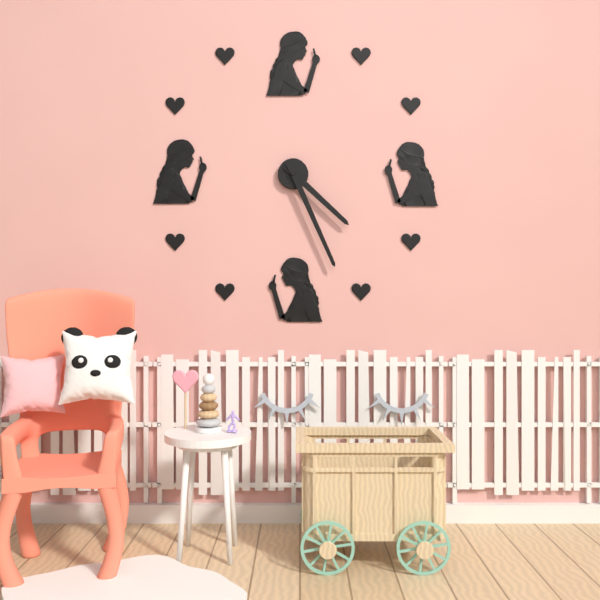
h=4 m=26
